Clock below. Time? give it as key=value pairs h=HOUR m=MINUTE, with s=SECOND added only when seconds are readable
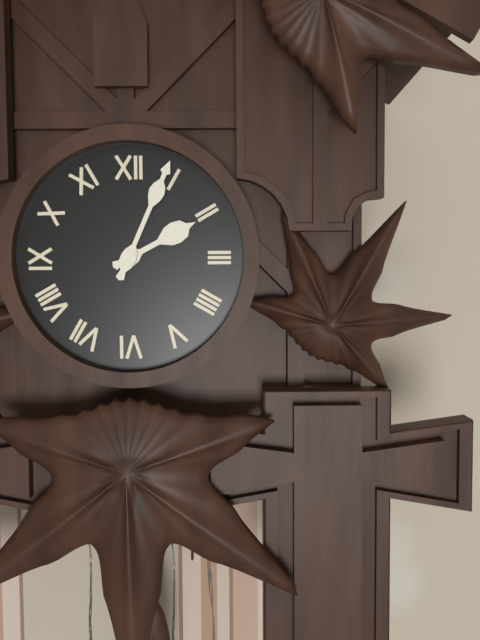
h=2 m=4
